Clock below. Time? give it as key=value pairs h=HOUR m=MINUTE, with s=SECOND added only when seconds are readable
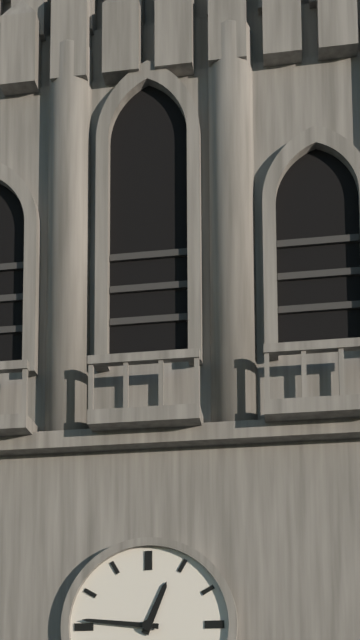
h=12 m=46
